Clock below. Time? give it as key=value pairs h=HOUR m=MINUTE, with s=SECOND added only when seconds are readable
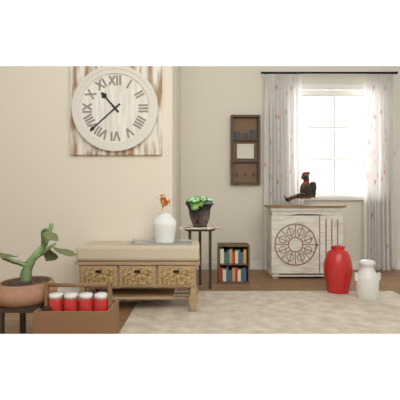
h=10 m=38
